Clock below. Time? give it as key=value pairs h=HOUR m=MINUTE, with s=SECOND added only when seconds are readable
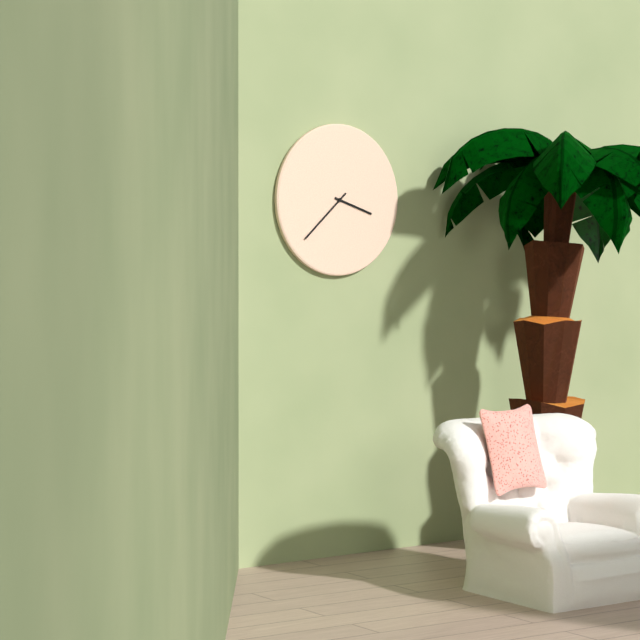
h=3 m=38
